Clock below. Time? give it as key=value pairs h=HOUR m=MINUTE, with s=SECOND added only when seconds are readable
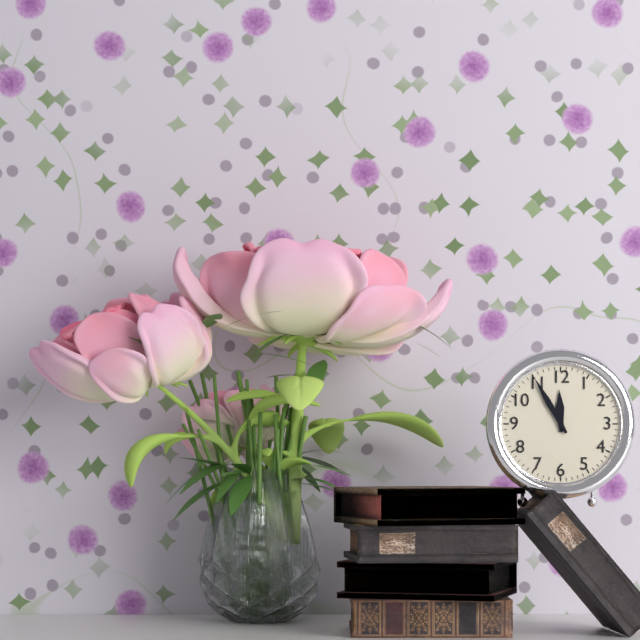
h=11 m=55
